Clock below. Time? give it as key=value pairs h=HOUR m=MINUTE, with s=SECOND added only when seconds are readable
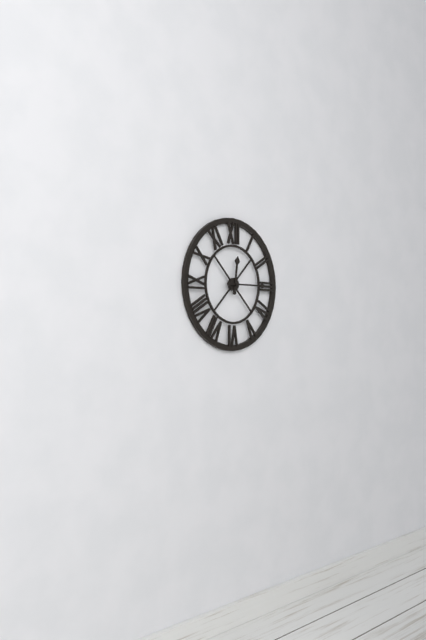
h=12 m=15
